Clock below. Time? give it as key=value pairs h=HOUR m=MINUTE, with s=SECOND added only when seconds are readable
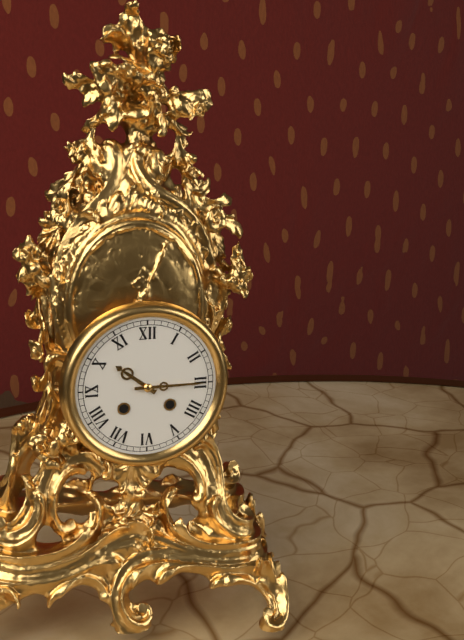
h=10 m=15
